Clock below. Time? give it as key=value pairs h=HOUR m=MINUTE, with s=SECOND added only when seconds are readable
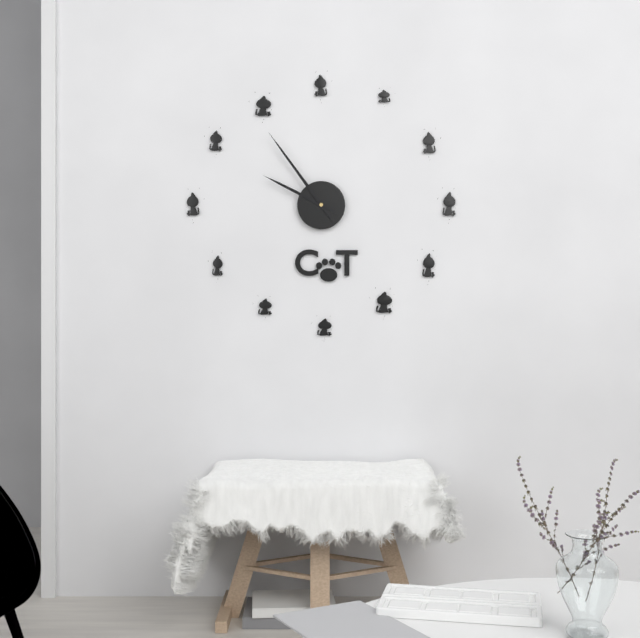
h=9 m=54
